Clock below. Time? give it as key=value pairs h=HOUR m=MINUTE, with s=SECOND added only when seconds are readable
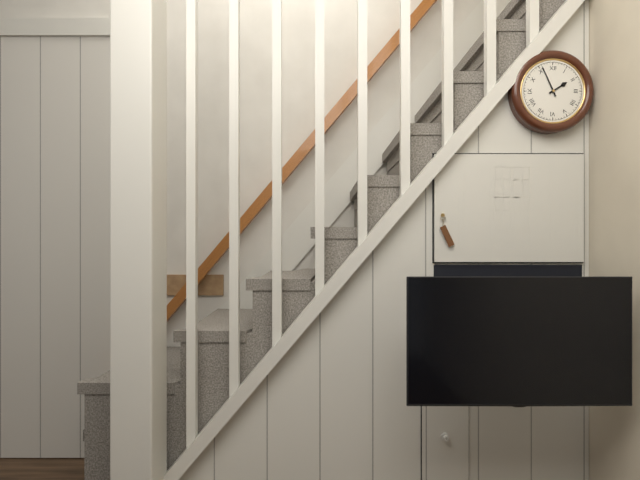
h=1 m=56
